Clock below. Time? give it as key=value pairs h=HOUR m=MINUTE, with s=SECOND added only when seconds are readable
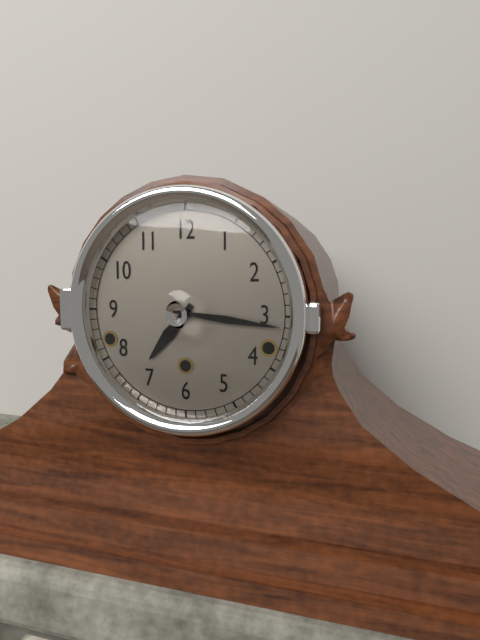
h=7 m=16
